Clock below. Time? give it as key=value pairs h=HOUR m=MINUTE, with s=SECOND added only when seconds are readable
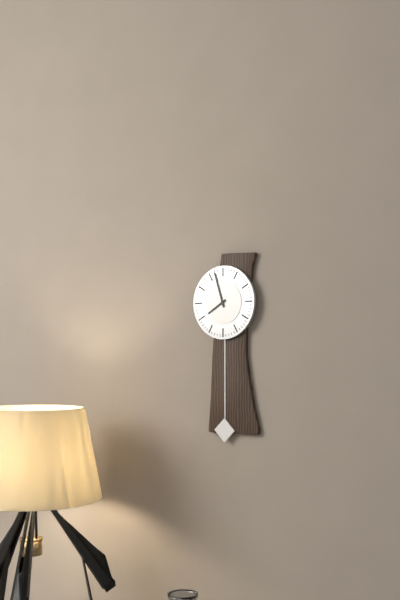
h=7 m=57
